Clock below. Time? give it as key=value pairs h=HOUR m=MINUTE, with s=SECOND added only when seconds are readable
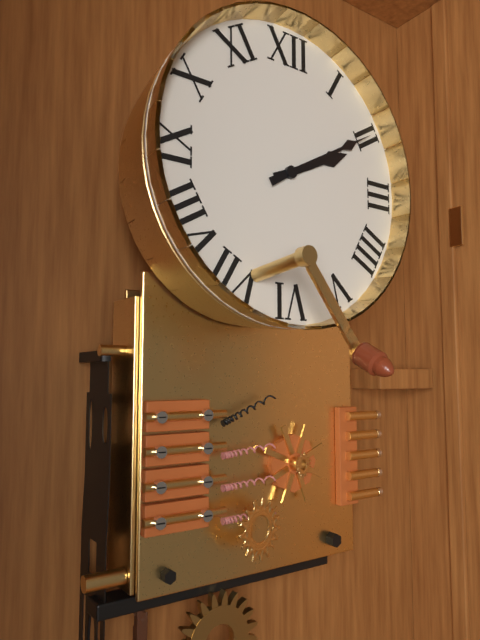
h=2 m=10
